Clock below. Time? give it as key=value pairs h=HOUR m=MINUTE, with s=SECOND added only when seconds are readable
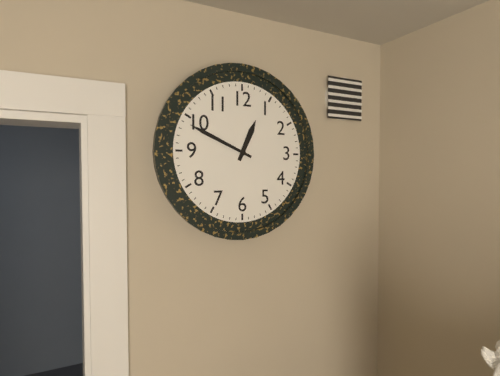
h=12 m=49
